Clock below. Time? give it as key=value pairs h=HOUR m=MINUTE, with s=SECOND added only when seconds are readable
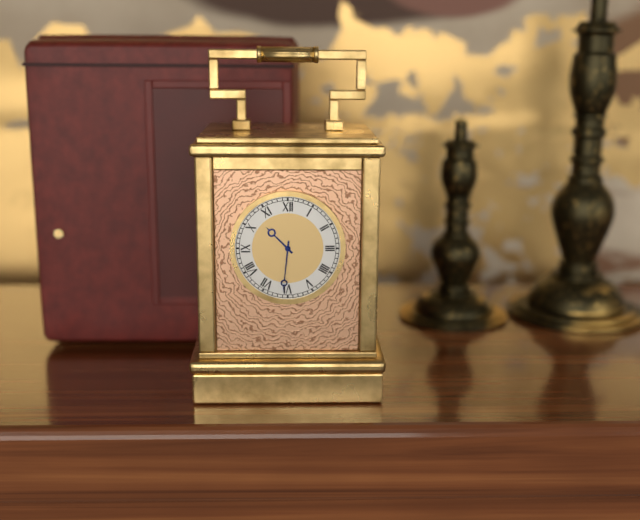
h=10 m=31
